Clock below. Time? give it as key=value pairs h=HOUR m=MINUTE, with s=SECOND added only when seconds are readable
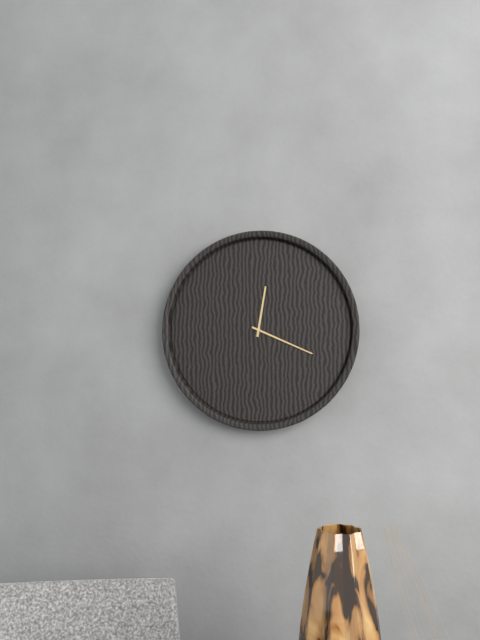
h=12 m=19
